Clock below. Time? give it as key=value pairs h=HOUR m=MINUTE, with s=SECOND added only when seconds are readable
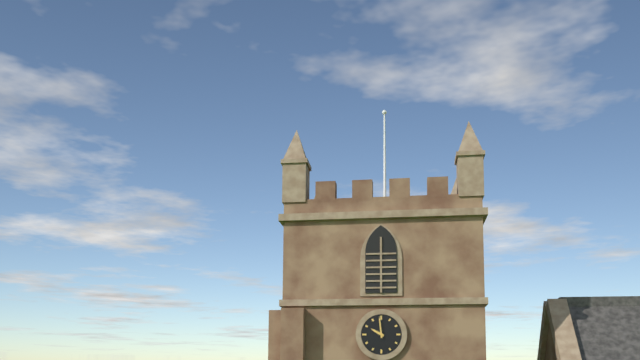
h=9 m=59
